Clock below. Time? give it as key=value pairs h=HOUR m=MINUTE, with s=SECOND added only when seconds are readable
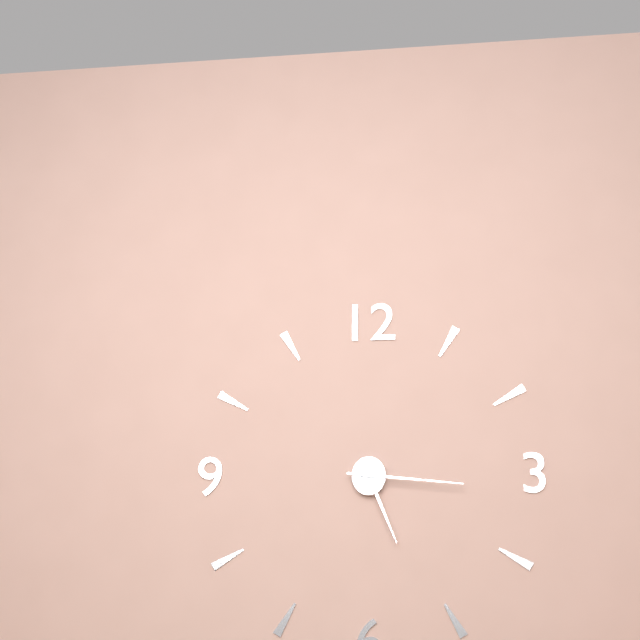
h=5 m=16
